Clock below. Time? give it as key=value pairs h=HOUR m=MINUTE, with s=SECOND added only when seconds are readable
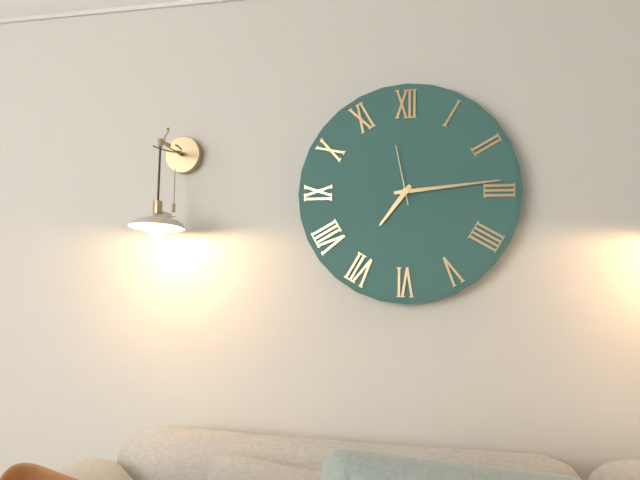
h=7 m=14 s=58
